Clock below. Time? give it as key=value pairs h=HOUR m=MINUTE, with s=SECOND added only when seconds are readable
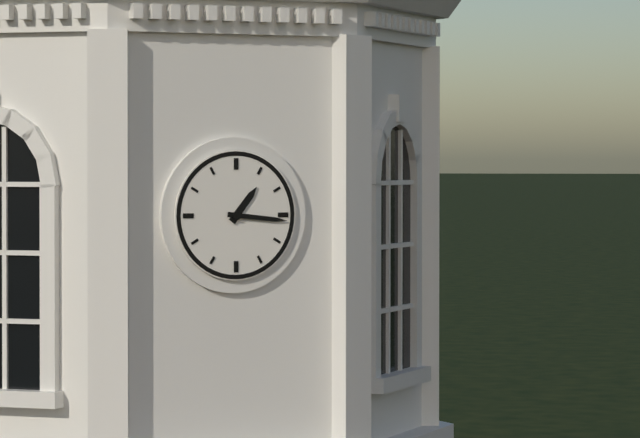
h=1 m=16
